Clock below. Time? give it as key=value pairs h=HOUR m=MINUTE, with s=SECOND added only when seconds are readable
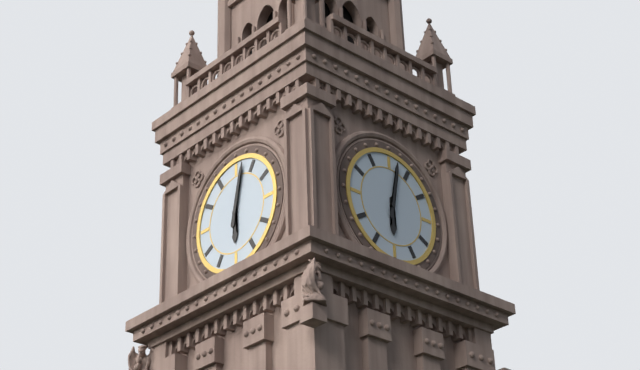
h=6 m=2
